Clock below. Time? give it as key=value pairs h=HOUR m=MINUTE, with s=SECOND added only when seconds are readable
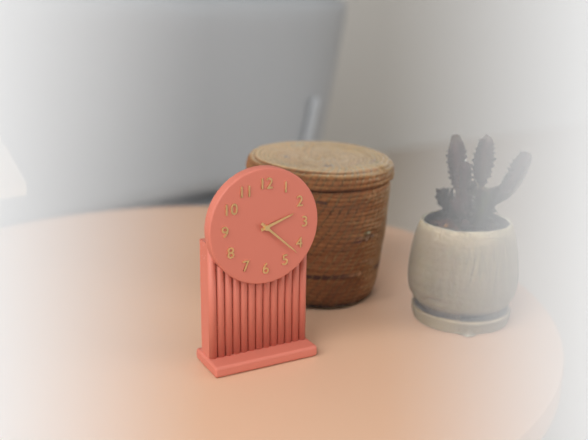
h=2 m=22
